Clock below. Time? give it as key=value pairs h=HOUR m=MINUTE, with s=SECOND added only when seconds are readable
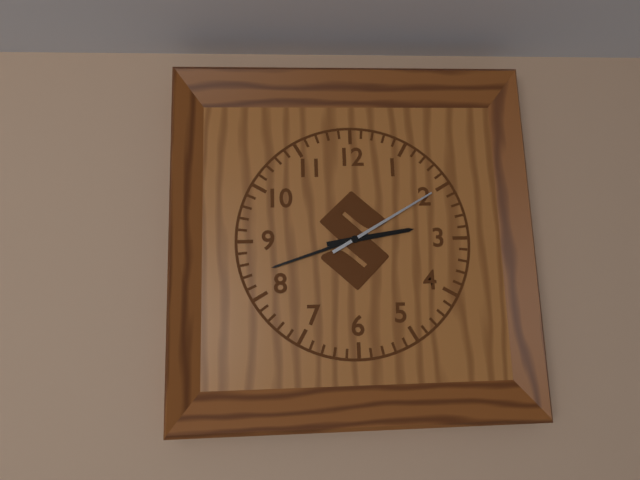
h=2 m=42 s=10
